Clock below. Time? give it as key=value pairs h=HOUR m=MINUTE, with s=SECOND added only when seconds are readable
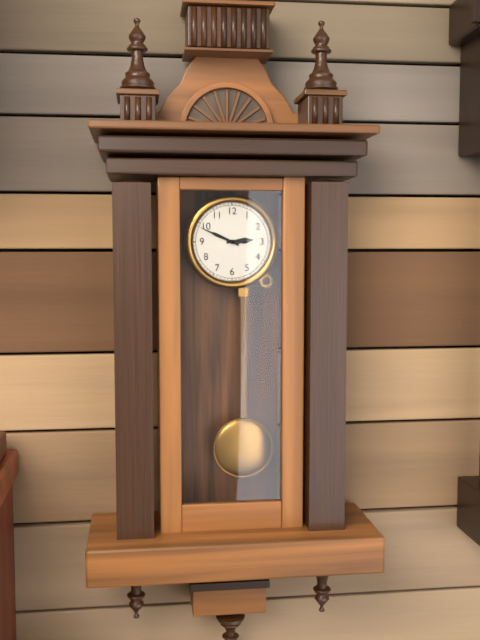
h=2 m=49
